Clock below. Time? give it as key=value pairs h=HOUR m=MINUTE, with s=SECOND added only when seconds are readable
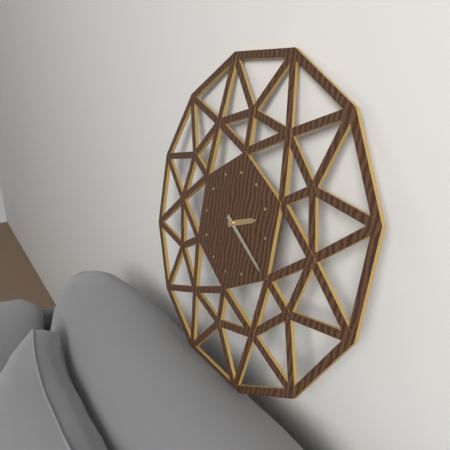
h=2 m=20
